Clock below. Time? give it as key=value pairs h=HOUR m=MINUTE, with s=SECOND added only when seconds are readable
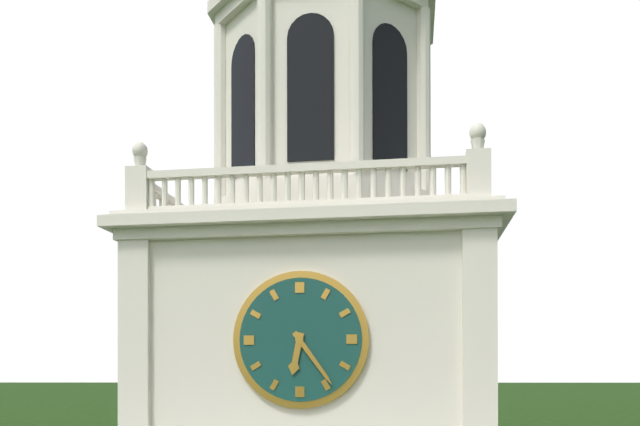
h=6 m=24
